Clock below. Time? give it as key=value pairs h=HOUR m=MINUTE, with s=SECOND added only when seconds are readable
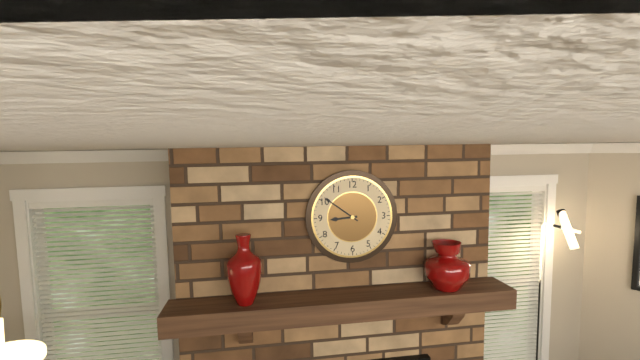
h=8 m=51
